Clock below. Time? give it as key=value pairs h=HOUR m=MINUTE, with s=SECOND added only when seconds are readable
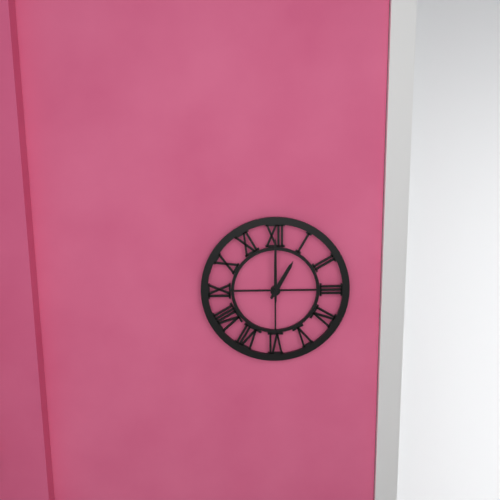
h=1 m=0
